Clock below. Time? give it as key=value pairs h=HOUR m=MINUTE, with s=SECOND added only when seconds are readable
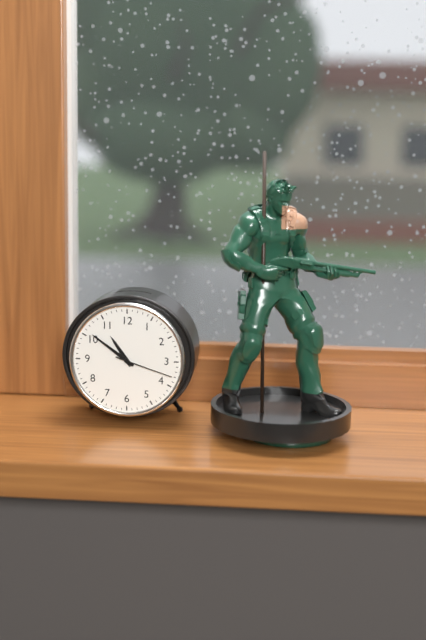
h=10 m=51 s=18
